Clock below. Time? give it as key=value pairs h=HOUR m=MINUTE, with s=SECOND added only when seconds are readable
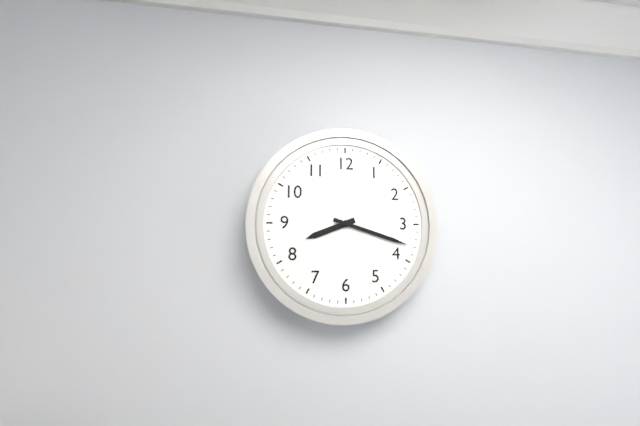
h=8 m=18
